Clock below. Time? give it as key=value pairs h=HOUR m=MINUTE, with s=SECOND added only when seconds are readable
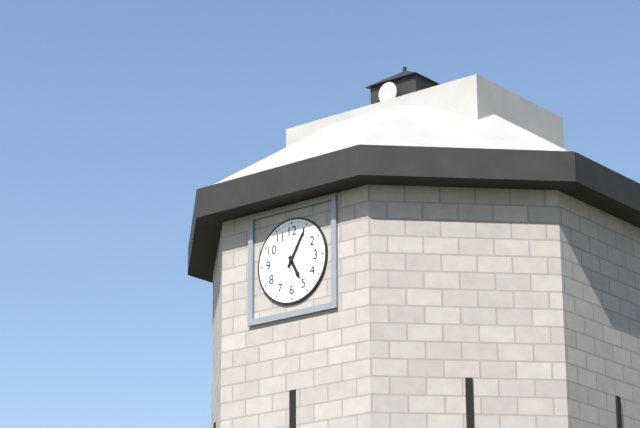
h=5 m=5
